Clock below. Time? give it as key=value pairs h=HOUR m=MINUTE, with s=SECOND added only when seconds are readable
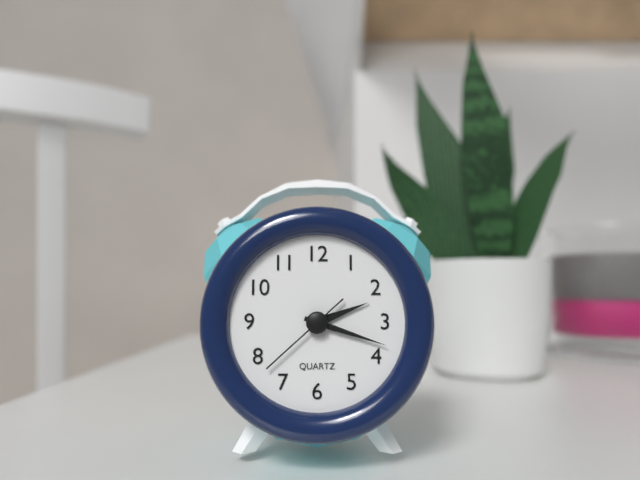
h=2 m=18 s=38
